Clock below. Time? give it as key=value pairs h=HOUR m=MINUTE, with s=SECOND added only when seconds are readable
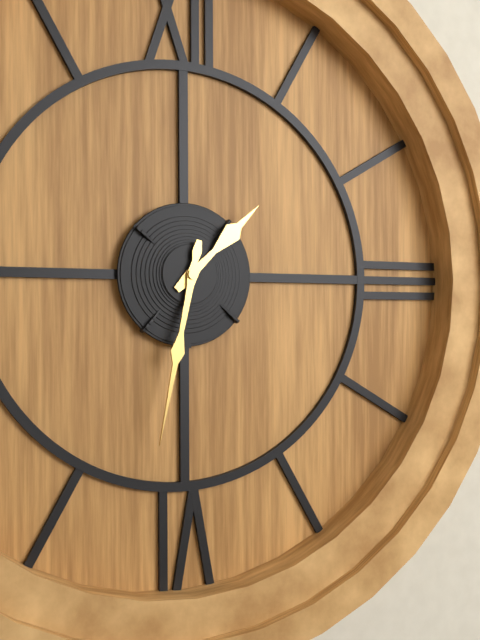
h=1 m=32
